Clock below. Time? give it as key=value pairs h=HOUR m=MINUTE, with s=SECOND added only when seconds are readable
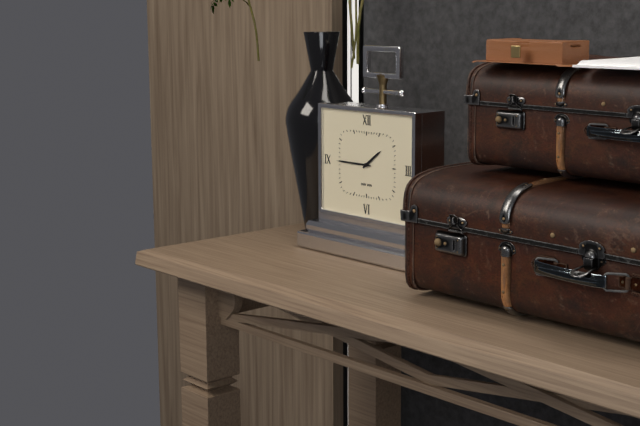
h=1 m=45
